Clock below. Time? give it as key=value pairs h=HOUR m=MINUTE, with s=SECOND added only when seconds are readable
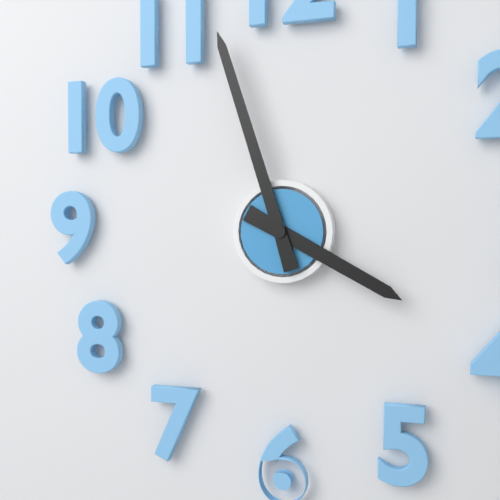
h=3 m=57
